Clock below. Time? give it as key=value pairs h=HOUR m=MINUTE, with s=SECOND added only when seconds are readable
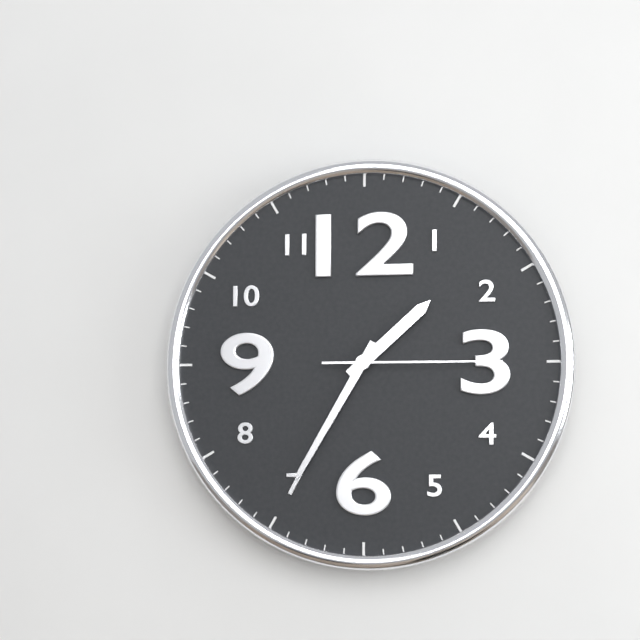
h=1 m=35 s=15
